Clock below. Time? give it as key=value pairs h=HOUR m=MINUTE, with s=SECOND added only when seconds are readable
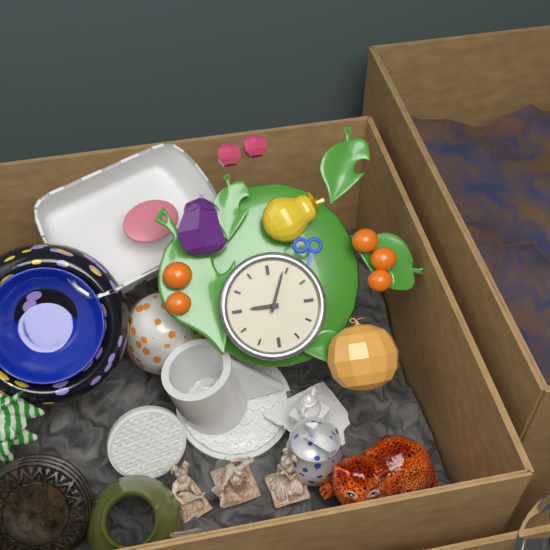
h=9 m=4
